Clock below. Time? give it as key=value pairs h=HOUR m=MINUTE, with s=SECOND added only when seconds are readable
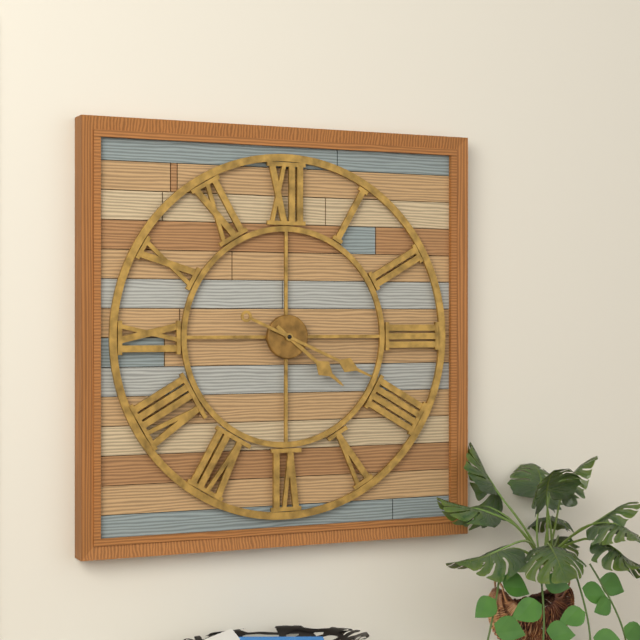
h=4 m=19
